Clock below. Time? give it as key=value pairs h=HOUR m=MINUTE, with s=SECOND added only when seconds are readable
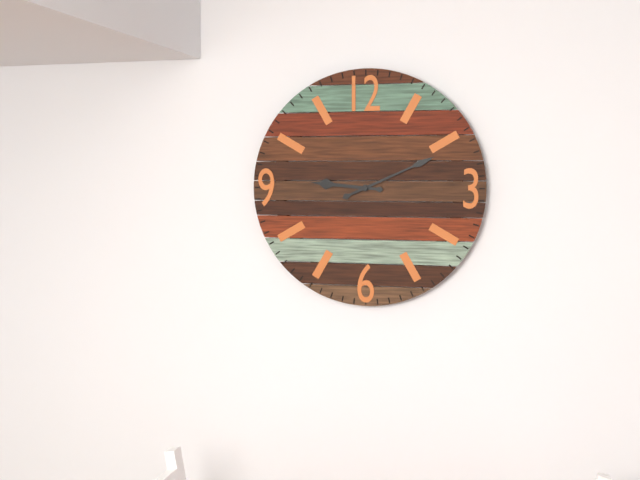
h=9 m=11
